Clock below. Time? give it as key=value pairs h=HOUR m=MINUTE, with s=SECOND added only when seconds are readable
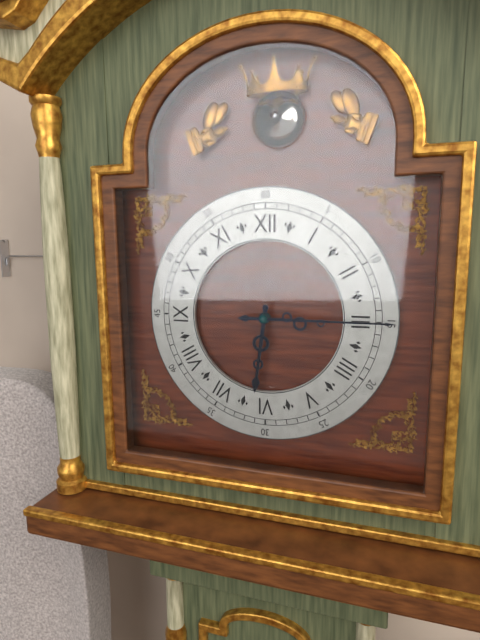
h=6 m=15
